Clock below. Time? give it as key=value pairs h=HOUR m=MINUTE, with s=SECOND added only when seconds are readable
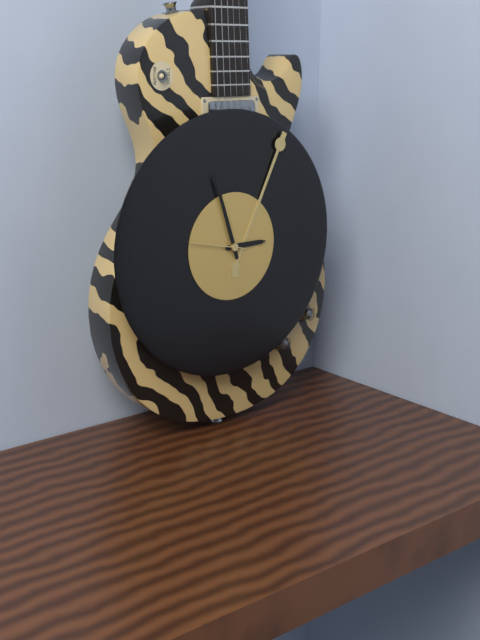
h=2 m=57 s=47
